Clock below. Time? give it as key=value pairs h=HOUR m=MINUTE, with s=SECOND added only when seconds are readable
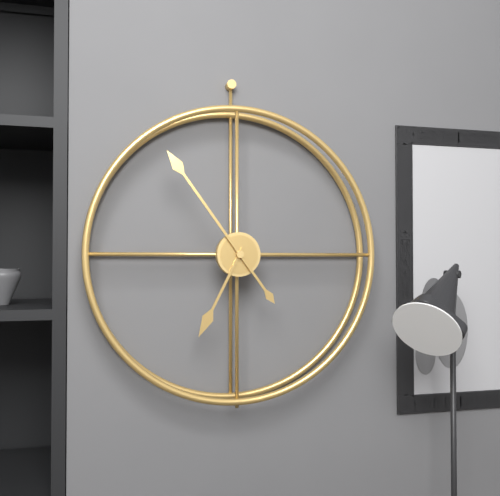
h=6 m=54
